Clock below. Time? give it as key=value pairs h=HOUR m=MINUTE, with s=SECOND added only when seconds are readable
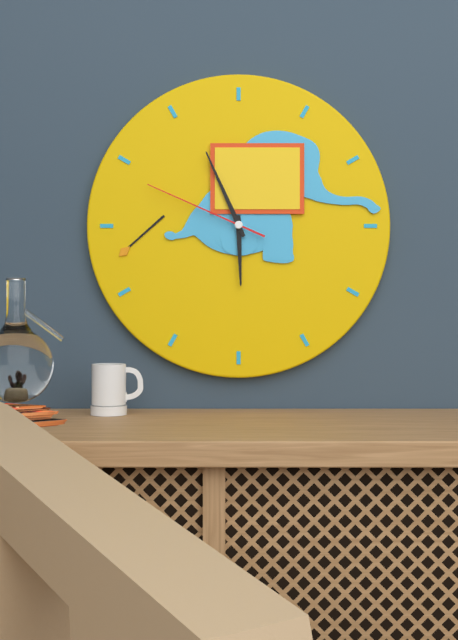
h=5 m=56 s=49
